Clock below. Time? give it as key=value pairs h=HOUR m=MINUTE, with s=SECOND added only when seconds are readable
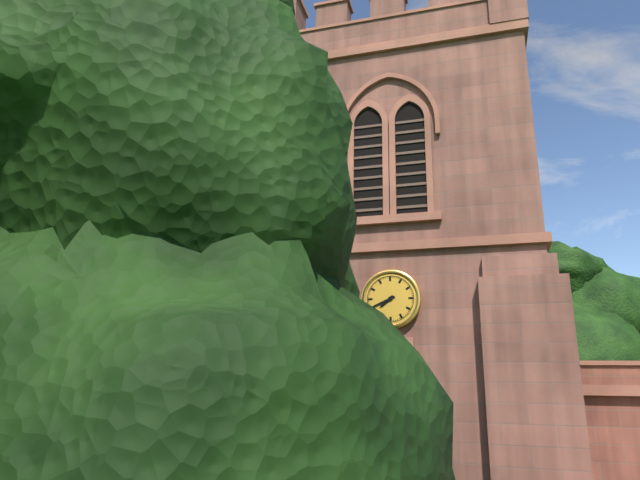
h=7 m=41
